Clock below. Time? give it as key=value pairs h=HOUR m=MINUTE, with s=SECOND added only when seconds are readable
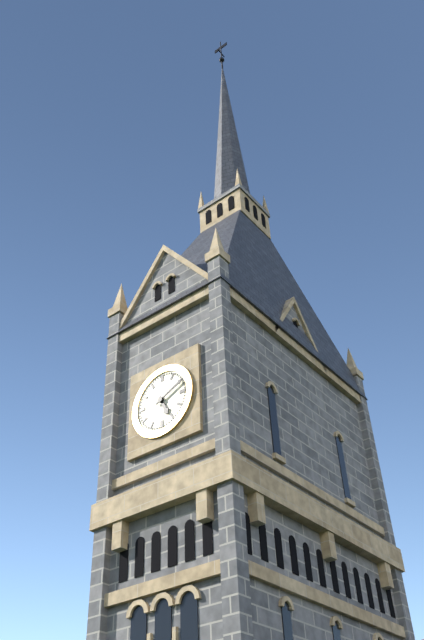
h=5 m=11
